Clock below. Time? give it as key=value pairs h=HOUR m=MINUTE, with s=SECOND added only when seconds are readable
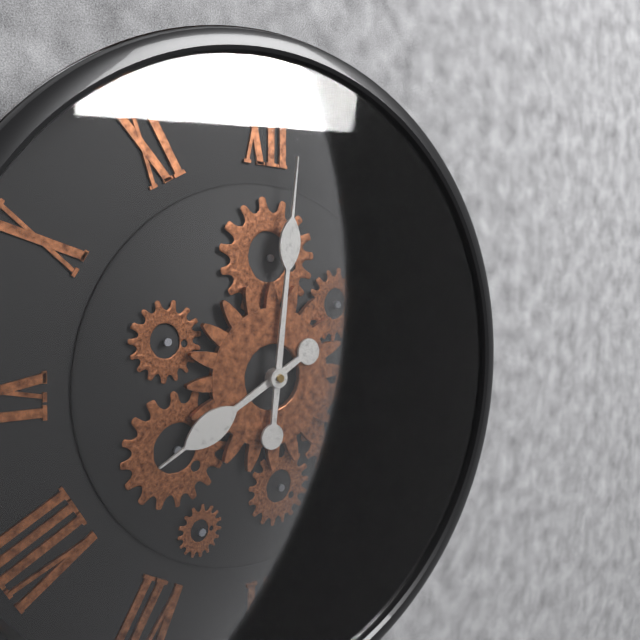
h=8 m=1
